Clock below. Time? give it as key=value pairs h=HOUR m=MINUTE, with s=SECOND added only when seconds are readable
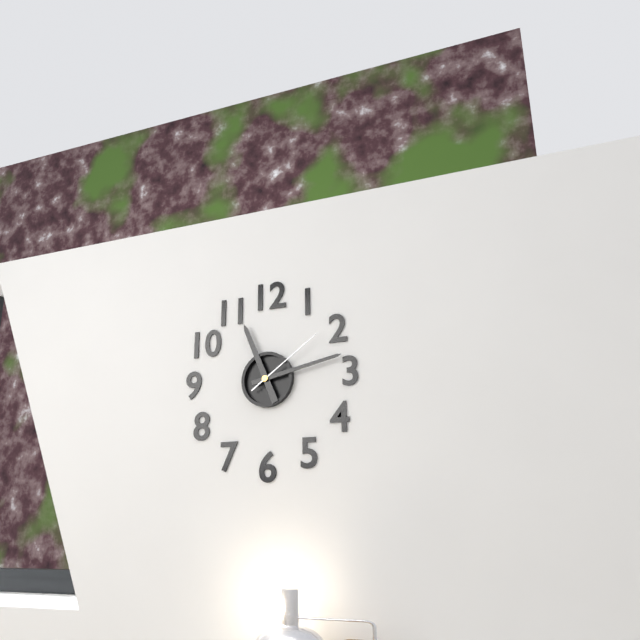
h=11 m=13 s=9
